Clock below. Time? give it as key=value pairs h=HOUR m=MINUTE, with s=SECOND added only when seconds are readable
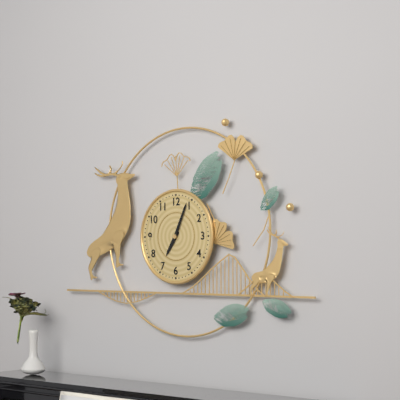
h=7 m=4
